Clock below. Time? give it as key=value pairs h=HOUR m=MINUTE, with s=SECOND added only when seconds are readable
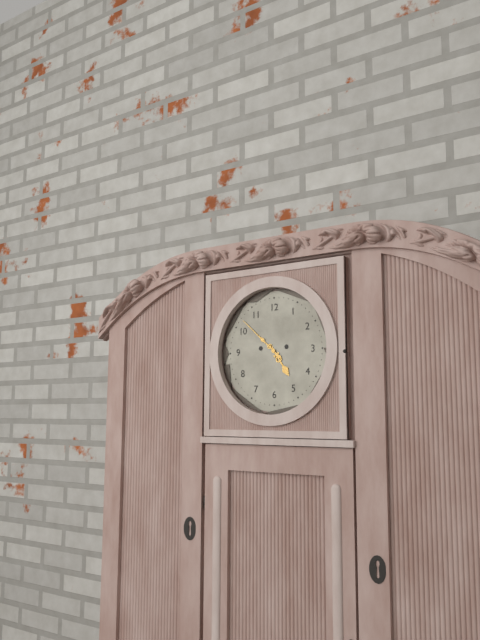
h=4 m=52
